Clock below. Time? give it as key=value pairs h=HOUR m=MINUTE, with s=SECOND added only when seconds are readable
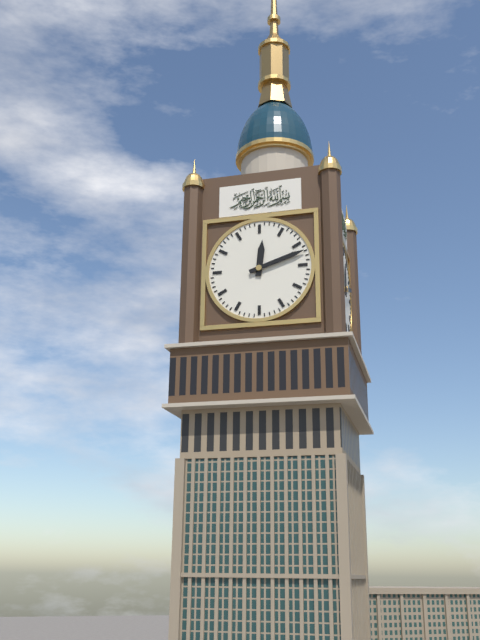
h=12 m=12
